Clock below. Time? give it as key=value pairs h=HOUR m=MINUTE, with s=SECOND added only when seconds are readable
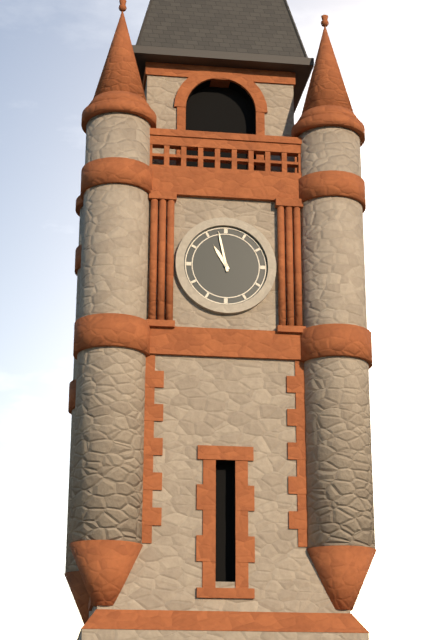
h=10 m=58
